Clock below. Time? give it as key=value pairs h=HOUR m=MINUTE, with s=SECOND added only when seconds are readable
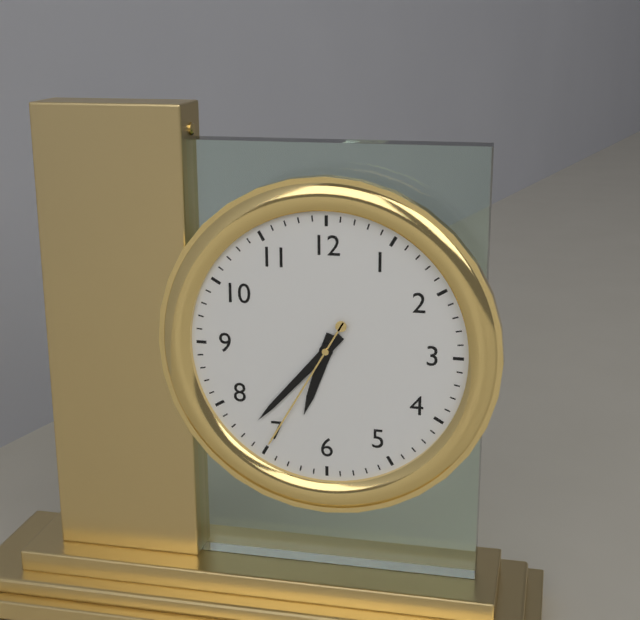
h=6 m=37 s=35
